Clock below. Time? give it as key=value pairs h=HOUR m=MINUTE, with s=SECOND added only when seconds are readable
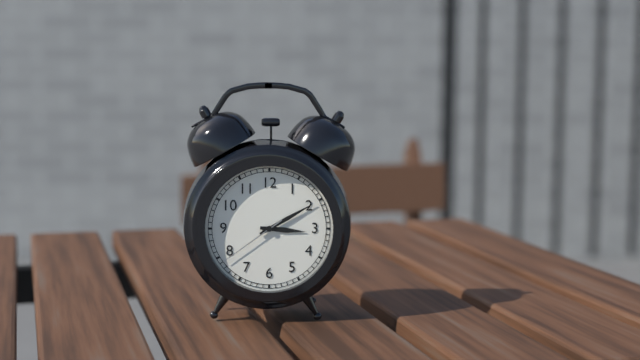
h=3 m=10 s=39
